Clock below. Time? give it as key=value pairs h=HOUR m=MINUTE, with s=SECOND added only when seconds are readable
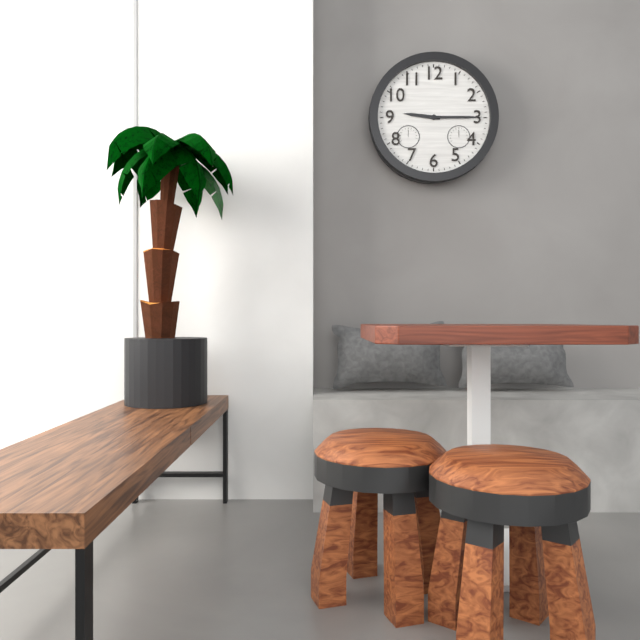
h=9 m=15
